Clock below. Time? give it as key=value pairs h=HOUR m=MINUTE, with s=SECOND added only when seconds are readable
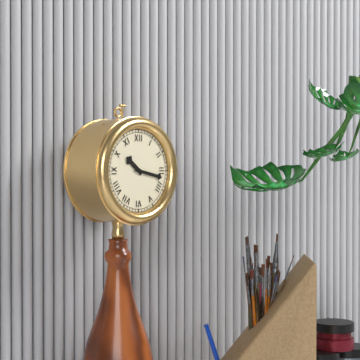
h=10 m=17
